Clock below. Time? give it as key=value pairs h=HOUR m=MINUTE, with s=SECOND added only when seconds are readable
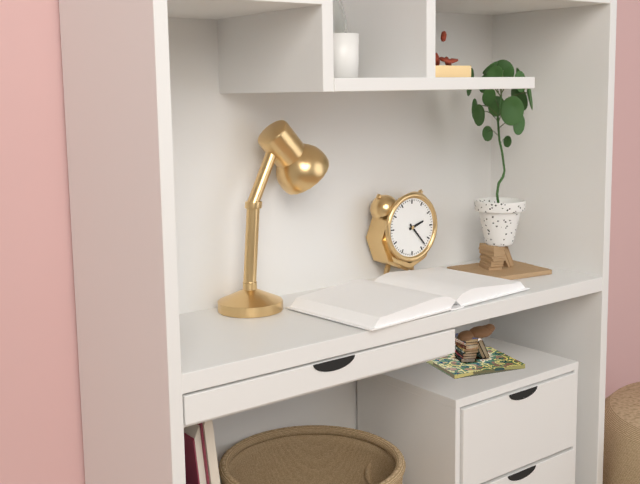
h=2 m=23
